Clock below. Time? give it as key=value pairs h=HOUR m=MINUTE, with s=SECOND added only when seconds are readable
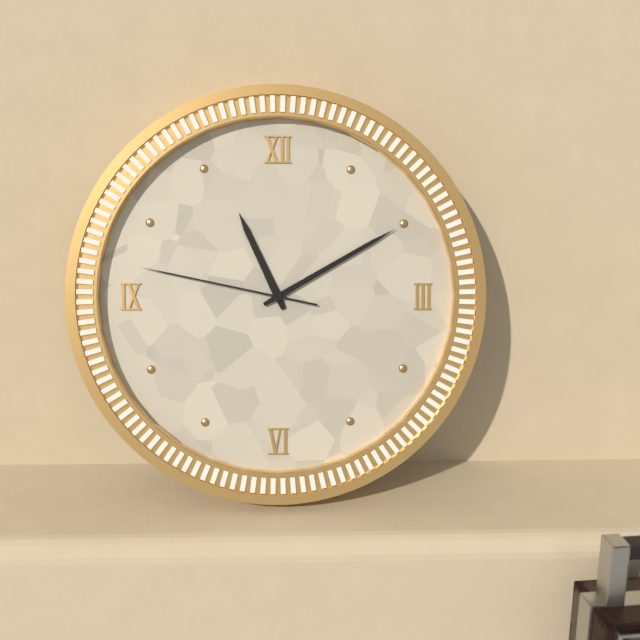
h=11 m=10 s=47
